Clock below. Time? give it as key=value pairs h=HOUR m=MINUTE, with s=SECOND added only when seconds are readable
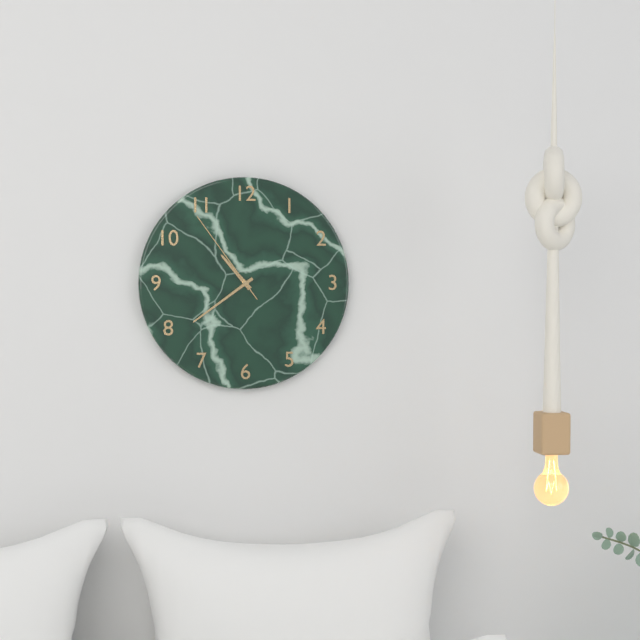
h=10 m=39 s=54
